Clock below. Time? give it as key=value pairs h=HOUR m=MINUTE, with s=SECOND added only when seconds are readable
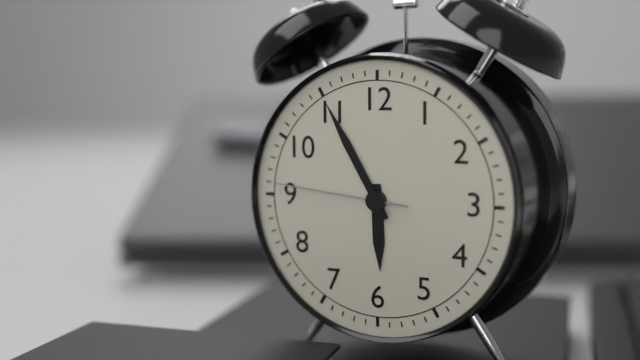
h=5 m=55 s=46
